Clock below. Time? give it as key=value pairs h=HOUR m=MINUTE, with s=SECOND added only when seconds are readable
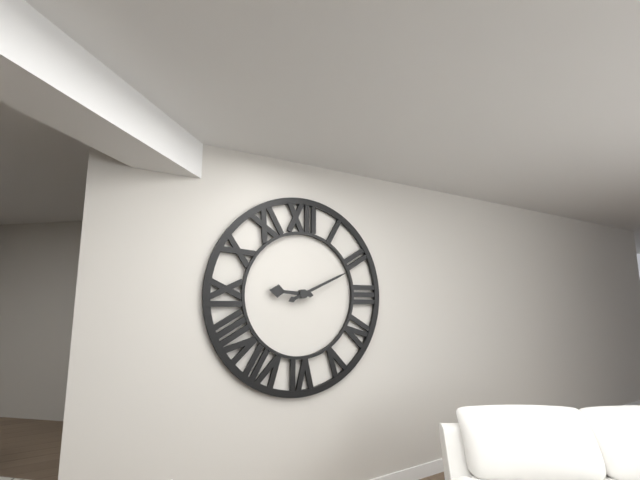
h=9 m=11
